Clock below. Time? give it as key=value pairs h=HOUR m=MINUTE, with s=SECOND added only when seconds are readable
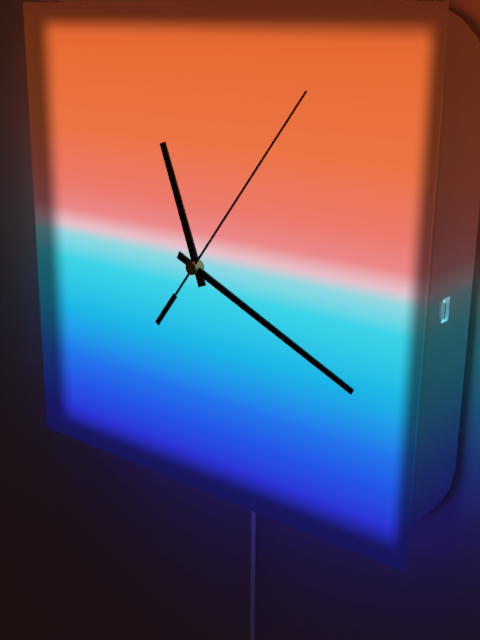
h=11 m=19 s=6
